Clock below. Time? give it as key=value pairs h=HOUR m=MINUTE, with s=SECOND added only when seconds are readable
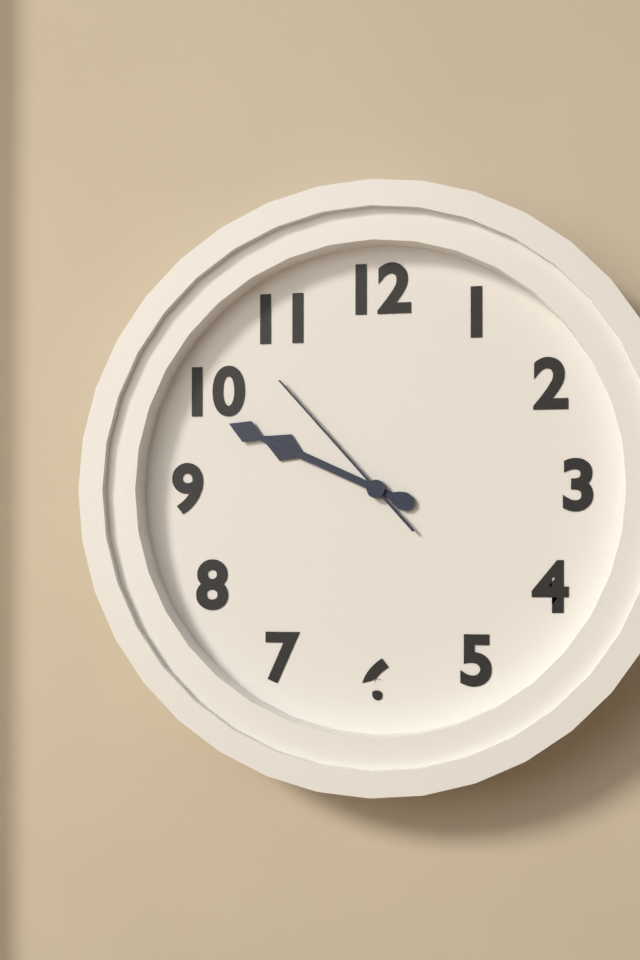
h=9 m=49 s=53
